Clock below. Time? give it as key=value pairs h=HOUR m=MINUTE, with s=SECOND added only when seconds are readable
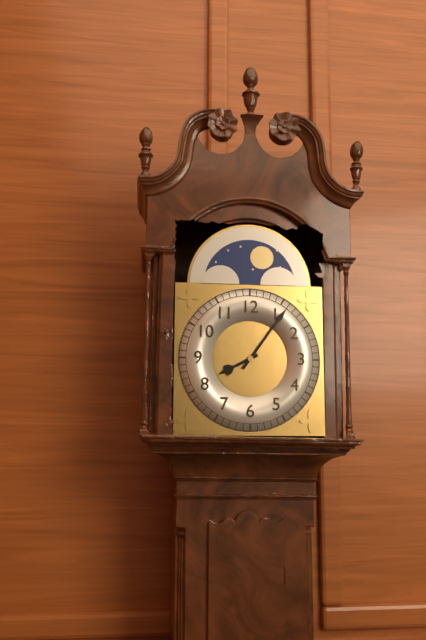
h=8 m=6
